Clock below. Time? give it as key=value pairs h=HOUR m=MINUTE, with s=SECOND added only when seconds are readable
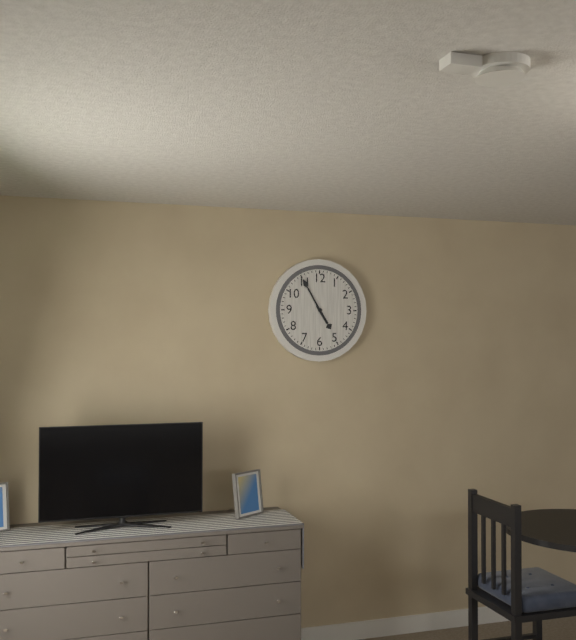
h=4 m=55
